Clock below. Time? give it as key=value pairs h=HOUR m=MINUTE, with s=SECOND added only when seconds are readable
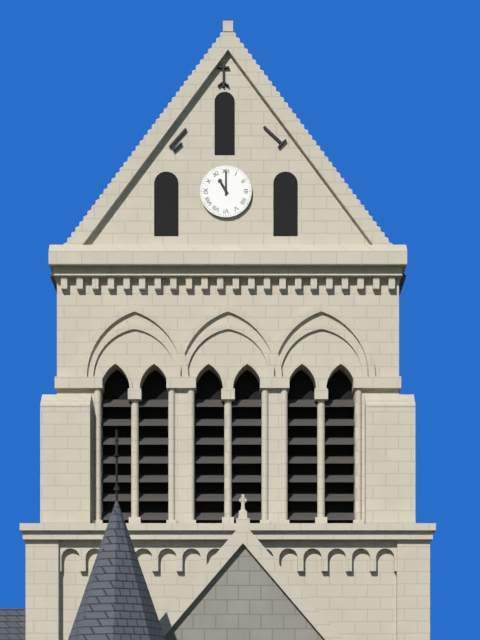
h=11 m=0
